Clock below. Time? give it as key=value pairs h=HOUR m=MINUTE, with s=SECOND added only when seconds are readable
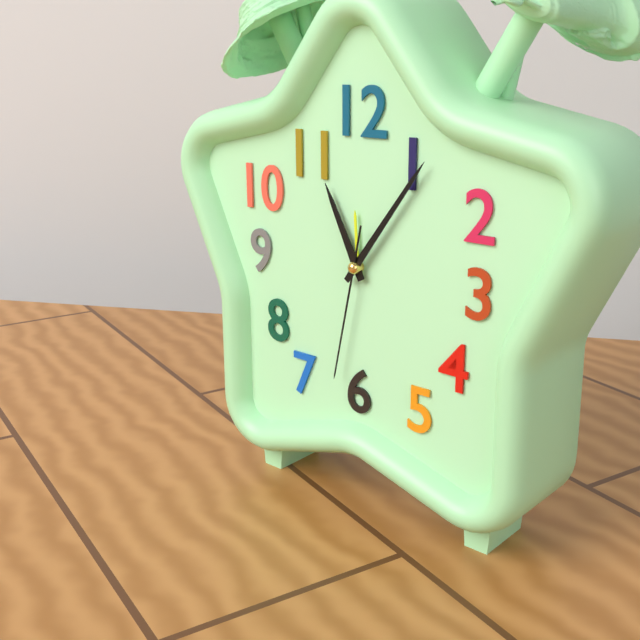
h=11 m=6 s=32
